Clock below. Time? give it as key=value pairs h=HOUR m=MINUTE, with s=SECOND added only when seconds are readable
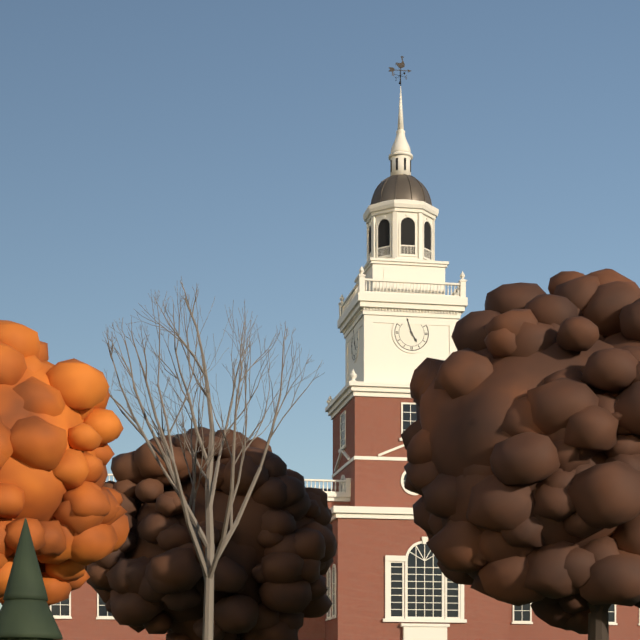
h=4 m=57
